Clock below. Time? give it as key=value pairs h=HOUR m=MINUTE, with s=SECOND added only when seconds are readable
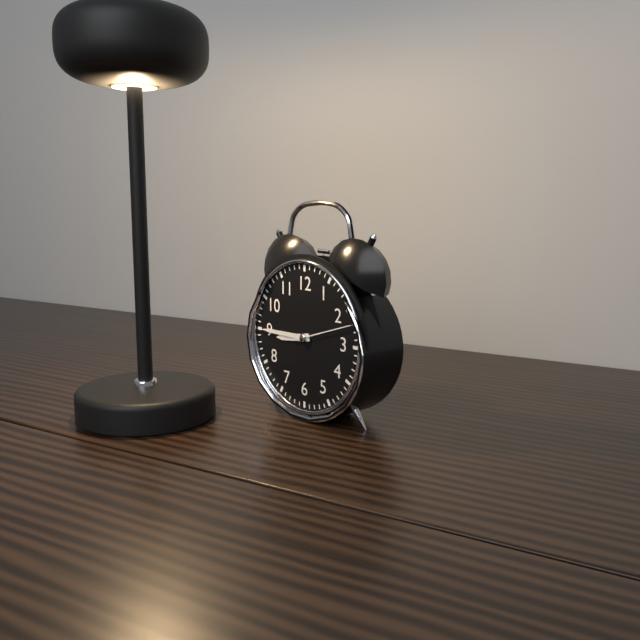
h=8 m=45 s=12
